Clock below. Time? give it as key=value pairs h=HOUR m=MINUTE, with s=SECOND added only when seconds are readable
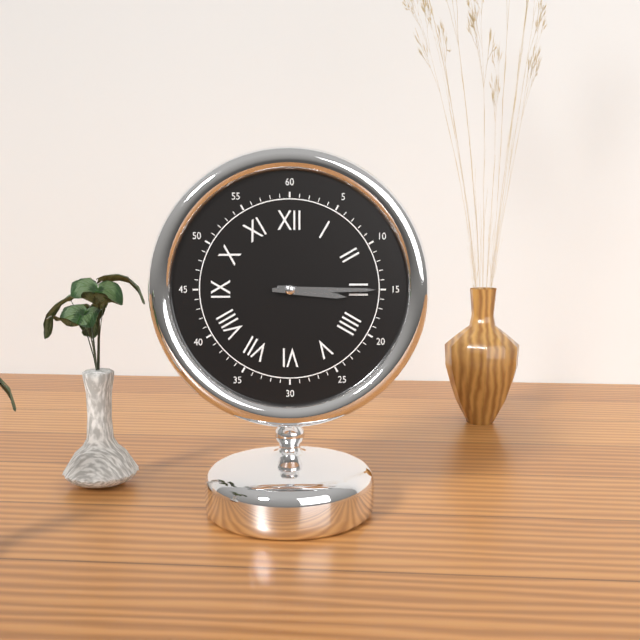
h=3 m=15
